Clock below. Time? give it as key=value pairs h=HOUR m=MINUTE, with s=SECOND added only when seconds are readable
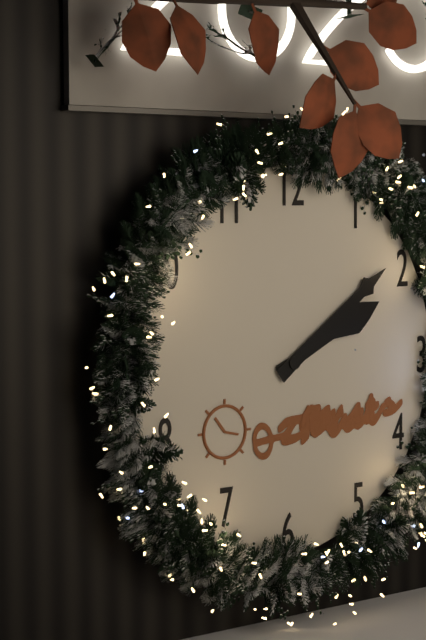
h=2 m=9
